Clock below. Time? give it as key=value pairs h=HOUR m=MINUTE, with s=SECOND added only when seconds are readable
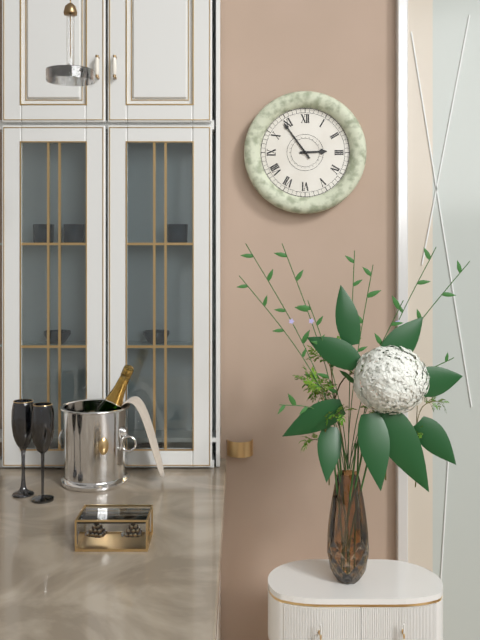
h=2 m=54
